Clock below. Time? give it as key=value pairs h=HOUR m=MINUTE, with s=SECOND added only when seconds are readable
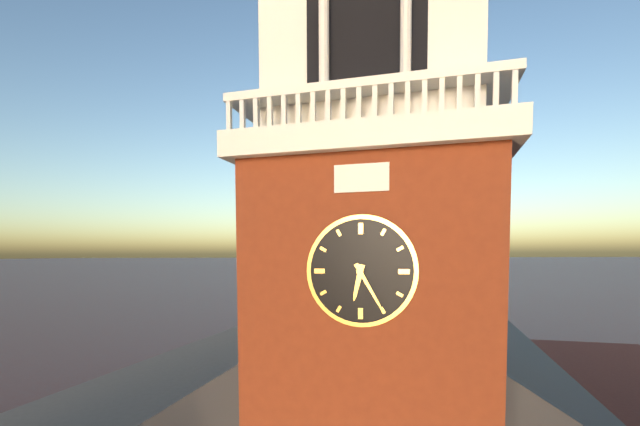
h=6 m=25
